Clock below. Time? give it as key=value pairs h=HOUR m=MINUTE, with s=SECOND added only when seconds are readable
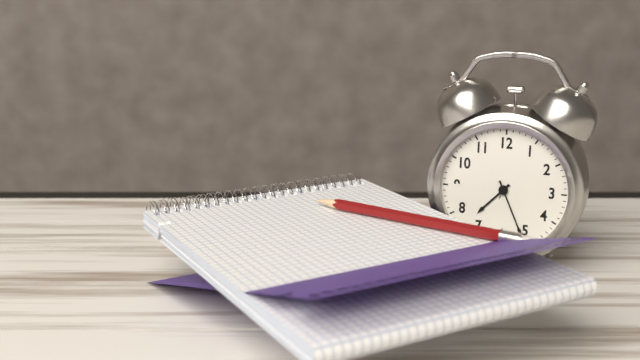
h=7 m=26
